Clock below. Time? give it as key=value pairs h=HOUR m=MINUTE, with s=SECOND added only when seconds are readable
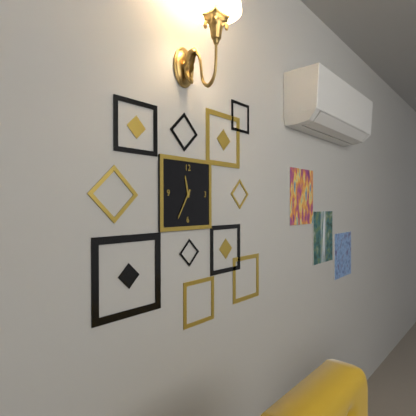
h=11 m=35
